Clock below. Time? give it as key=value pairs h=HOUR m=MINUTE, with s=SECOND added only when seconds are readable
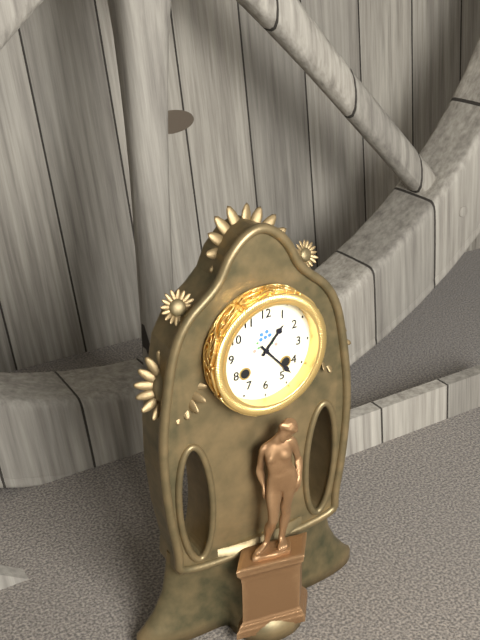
h=1 m=23
